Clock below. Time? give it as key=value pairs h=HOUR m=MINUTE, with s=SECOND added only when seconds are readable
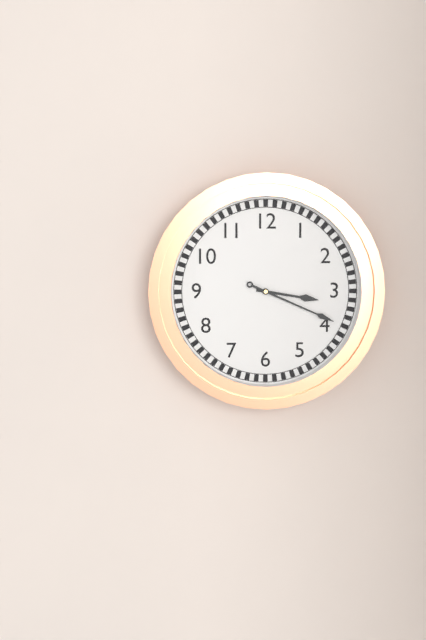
h=3 m=19
